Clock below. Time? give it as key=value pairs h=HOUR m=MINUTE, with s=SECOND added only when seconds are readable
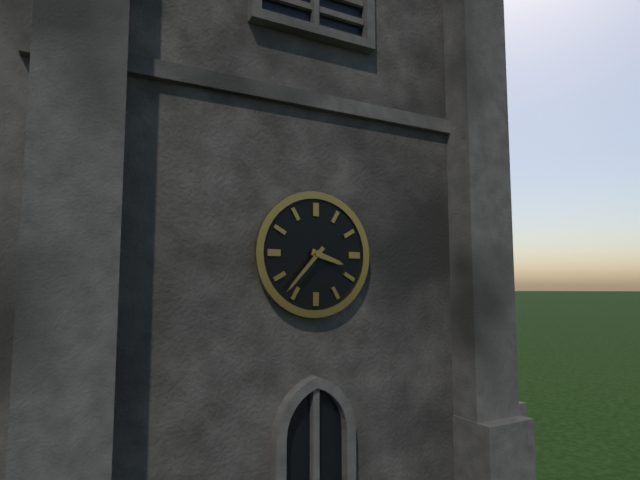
h=3 m=37
